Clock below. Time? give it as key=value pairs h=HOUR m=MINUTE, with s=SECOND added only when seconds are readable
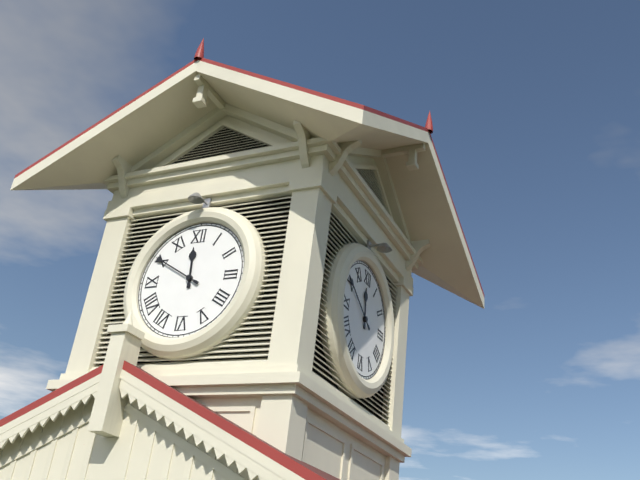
h=11 m=50
